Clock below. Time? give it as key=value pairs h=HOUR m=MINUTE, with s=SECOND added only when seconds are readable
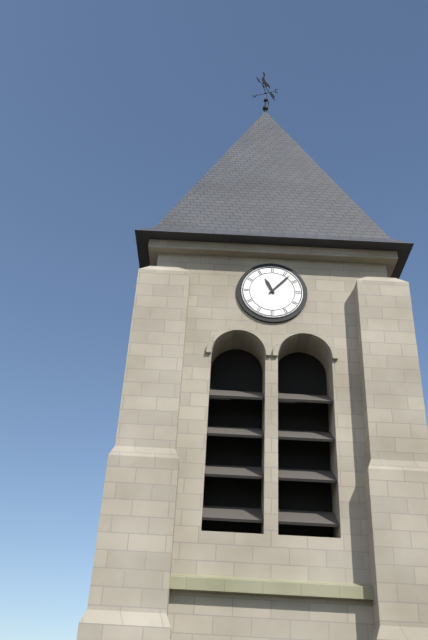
h=11 m=7
